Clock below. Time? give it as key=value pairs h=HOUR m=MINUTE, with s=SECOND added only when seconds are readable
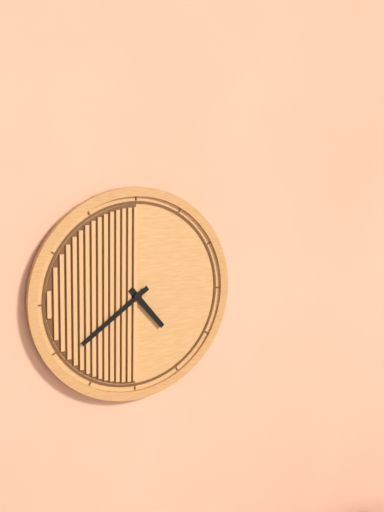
h=4 m=39
